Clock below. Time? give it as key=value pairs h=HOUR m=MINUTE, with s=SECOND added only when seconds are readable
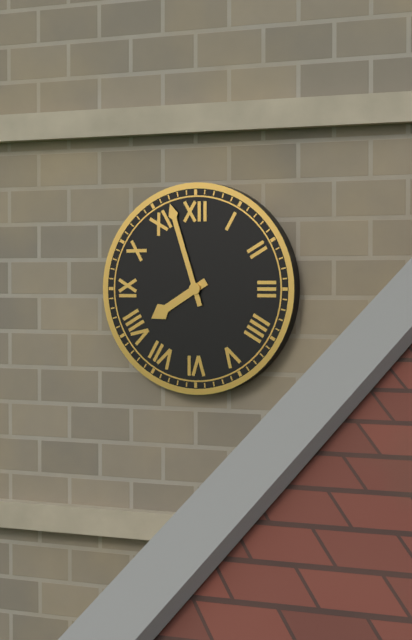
h=7 m=57
